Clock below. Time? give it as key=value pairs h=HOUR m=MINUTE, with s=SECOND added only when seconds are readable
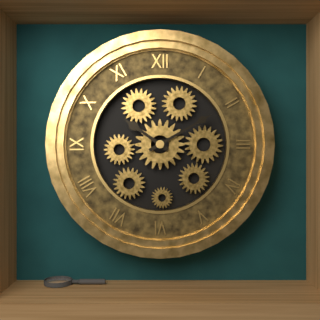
h=10 m=10
